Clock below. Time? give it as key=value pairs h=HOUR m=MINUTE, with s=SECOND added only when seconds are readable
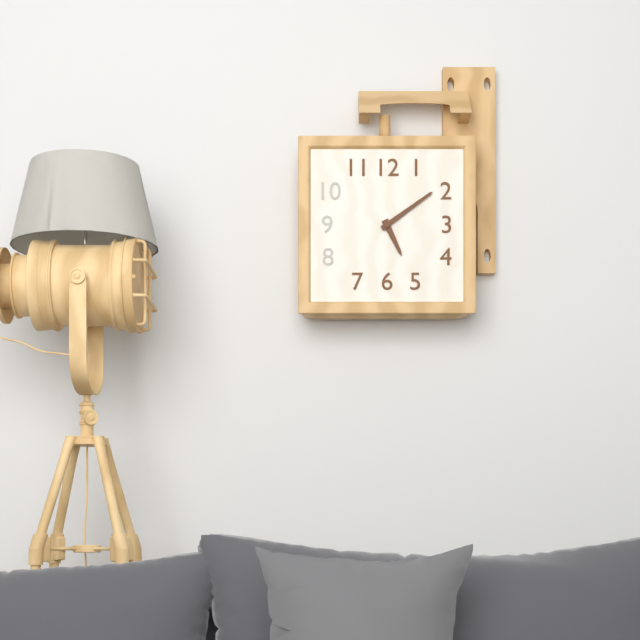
h=5 m=9
